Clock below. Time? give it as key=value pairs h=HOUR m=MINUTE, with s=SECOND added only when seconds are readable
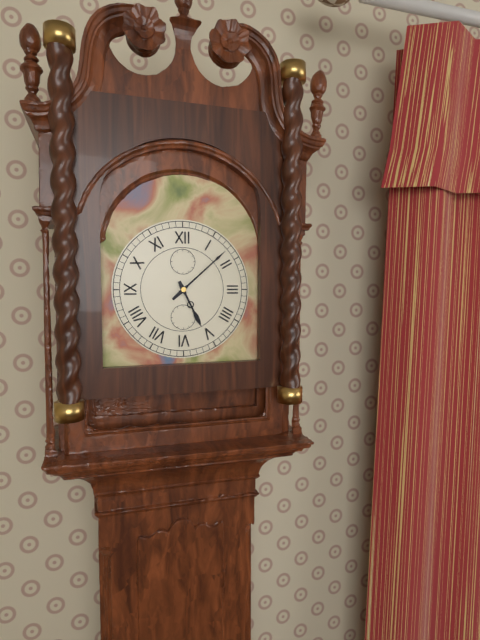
h=5 m=8
